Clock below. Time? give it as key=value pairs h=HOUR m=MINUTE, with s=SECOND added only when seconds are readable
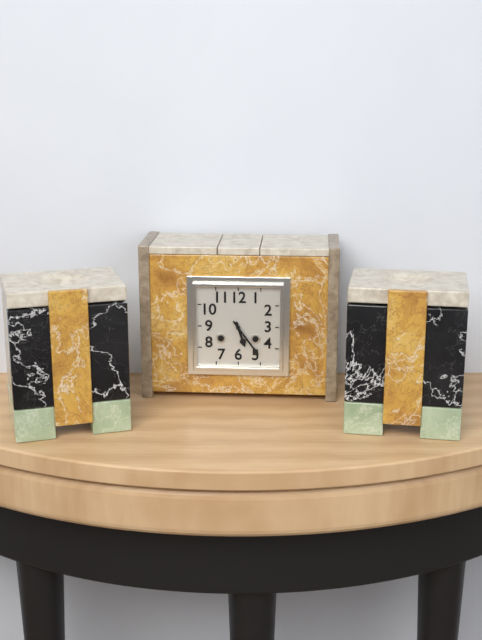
h=5 m=24
